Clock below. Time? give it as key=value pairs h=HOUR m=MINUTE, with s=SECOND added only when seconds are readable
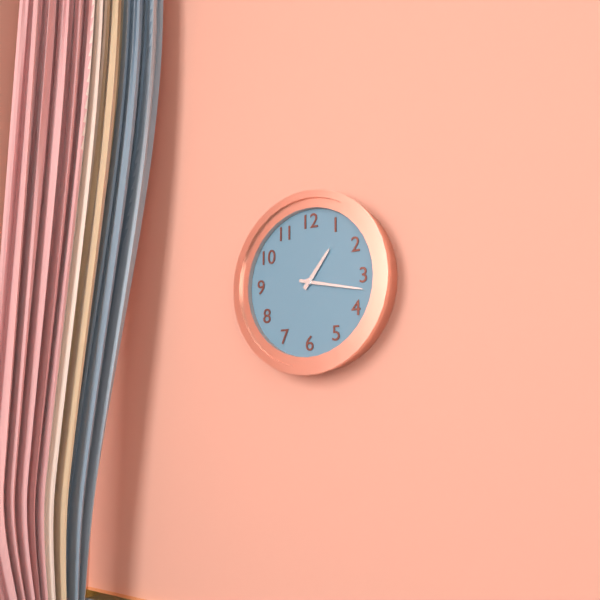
h=1 m=17
